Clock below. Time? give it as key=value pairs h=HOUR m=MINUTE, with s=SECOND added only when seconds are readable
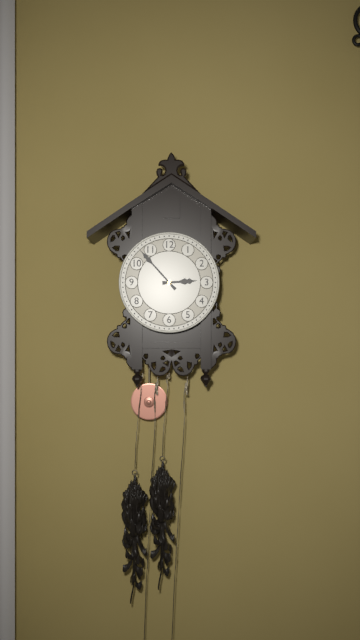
h=2 m=53
